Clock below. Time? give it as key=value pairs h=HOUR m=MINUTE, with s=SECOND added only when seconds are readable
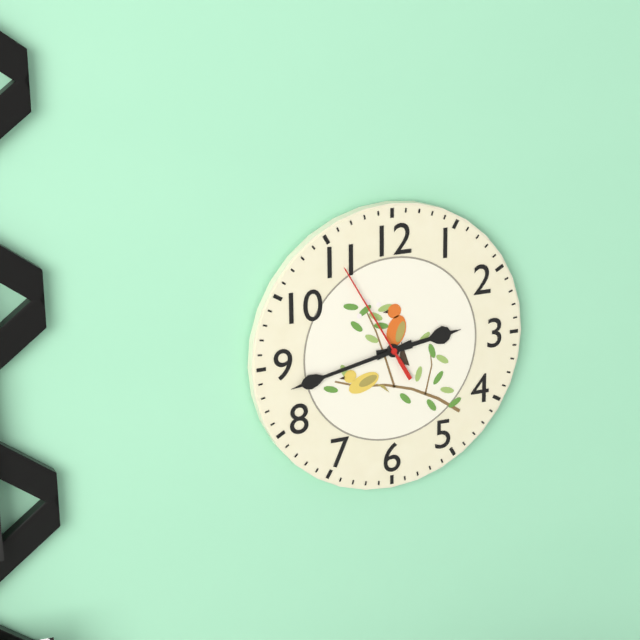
h=2 m=43 s=55
